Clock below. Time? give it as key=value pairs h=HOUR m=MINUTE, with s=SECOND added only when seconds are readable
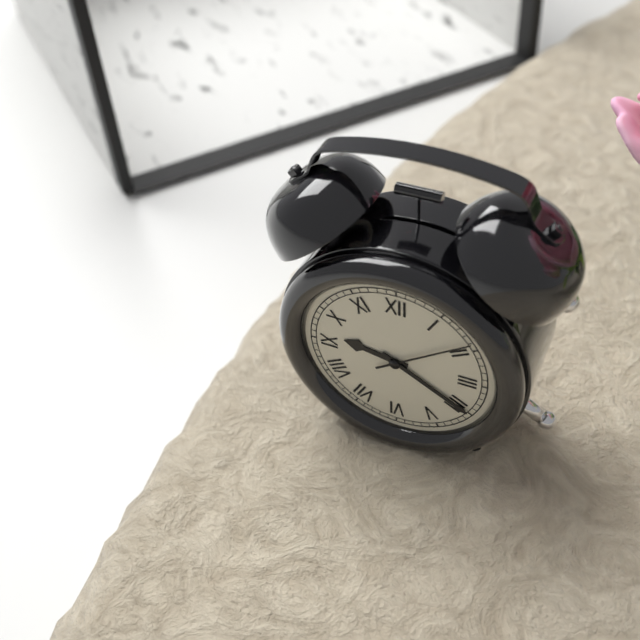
h=9 m=20 s=9
